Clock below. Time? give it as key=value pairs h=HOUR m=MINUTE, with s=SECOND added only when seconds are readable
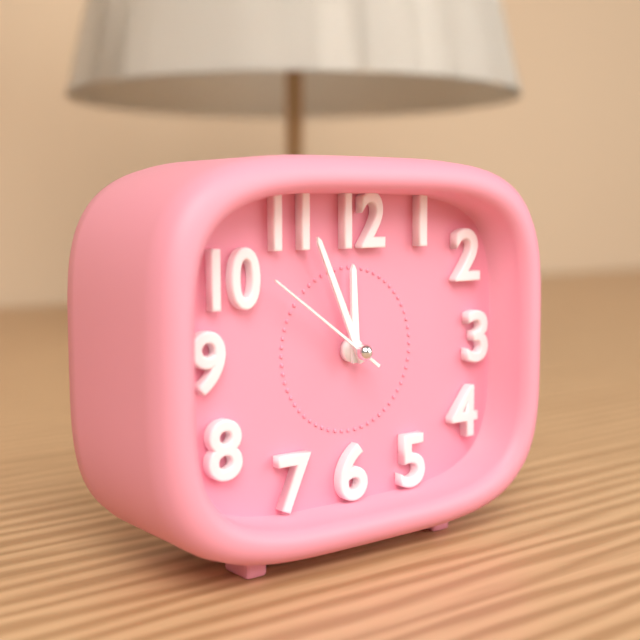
h=11 m=56 s=51
